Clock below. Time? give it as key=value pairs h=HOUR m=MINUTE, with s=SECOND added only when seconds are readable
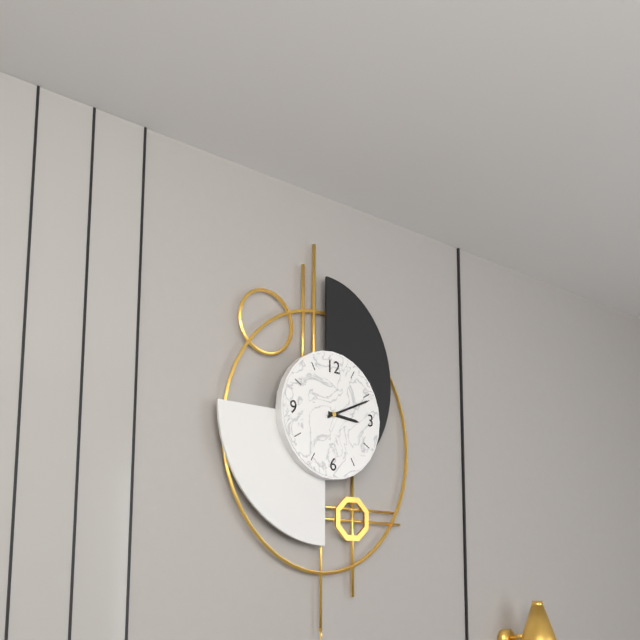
h=3 m=11
